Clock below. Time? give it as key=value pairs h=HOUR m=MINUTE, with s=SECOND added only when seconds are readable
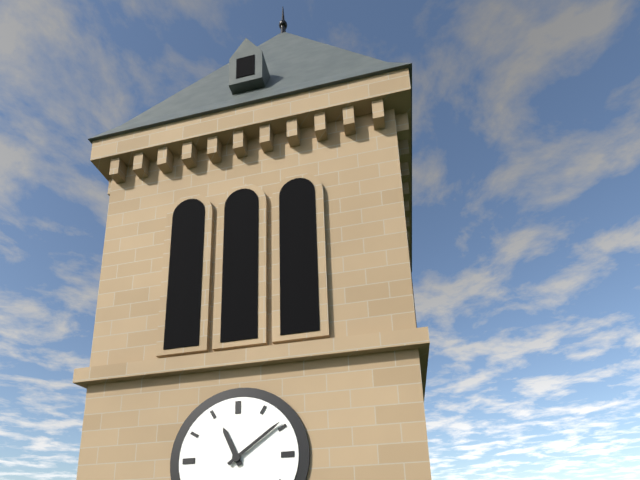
h=11 m=9
